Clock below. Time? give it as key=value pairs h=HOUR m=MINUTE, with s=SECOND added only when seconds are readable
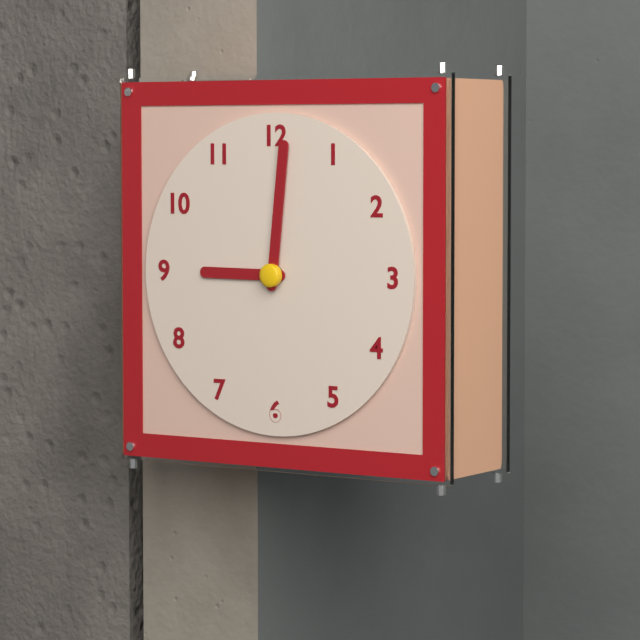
h=9 m=1
